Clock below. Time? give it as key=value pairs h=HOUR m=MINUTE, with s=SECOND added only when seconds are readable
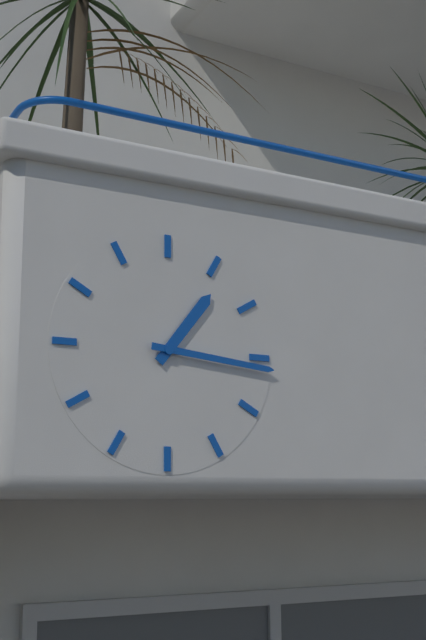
h=1 m=16
